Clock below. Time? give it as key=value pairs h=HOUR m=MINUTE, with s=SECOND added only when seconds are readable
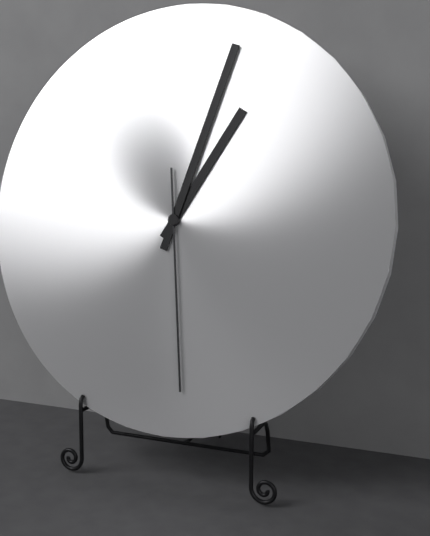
h=1 m=3 s=29
